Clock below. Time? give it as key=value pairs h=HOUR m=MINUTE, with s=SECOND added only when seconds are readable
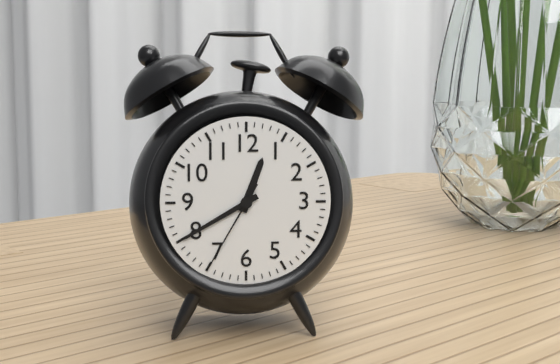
h=12 m=40 s=35
